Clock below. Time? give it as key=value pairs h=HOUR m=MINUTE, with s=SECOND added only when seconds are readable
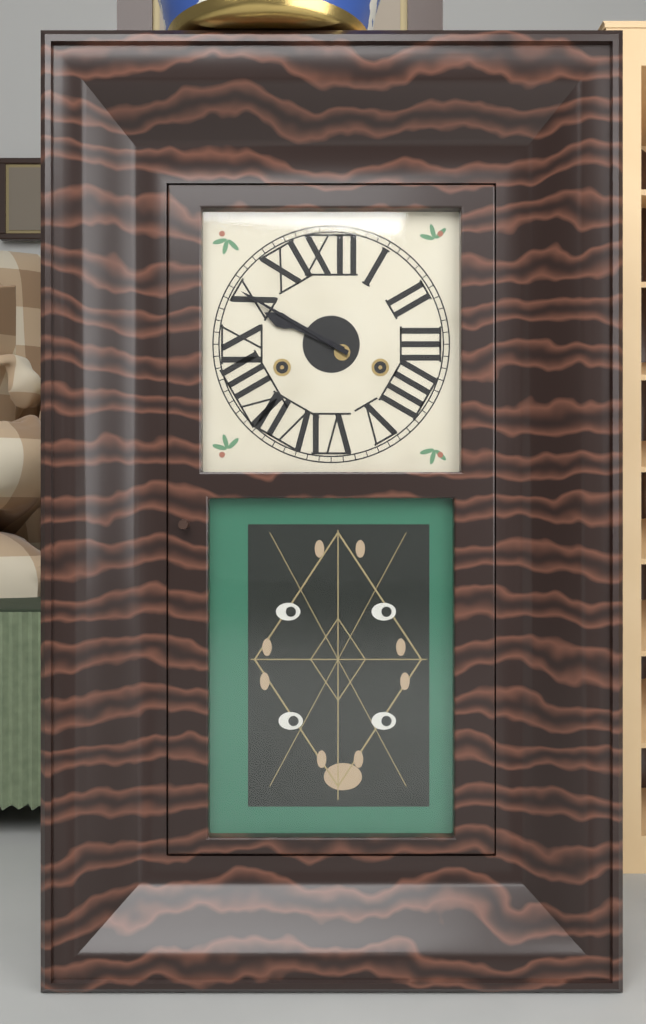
h=9 m=50
